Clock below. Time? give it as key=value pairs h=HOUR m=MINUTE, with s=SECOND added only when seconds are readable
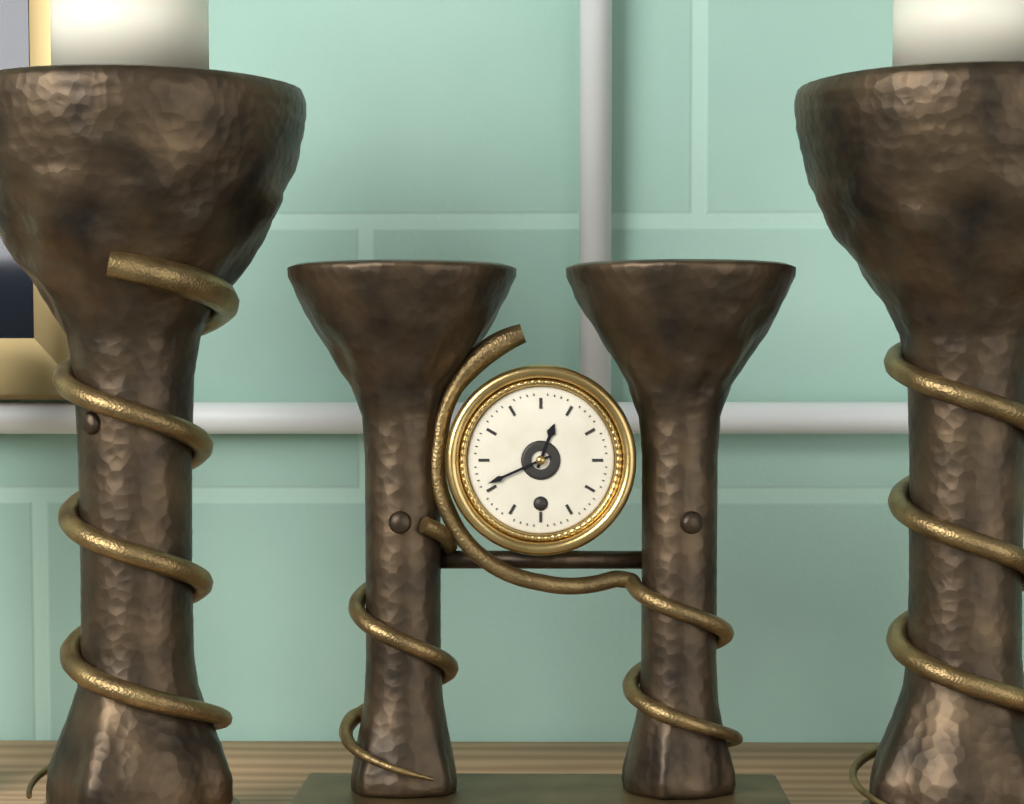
h=12 m=41
